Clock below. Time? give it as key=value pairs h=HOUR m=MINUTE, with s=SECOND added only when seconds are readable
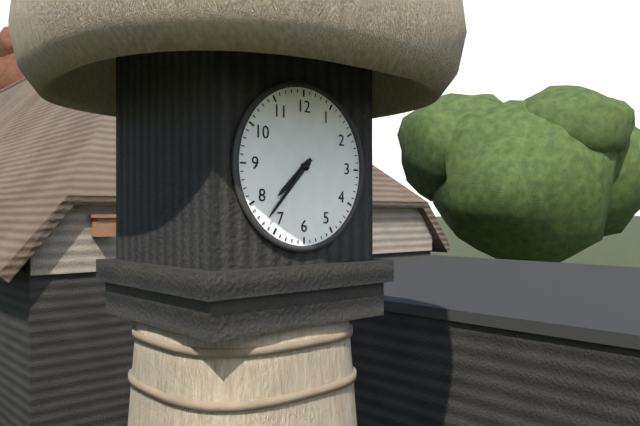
h=7 m=37
